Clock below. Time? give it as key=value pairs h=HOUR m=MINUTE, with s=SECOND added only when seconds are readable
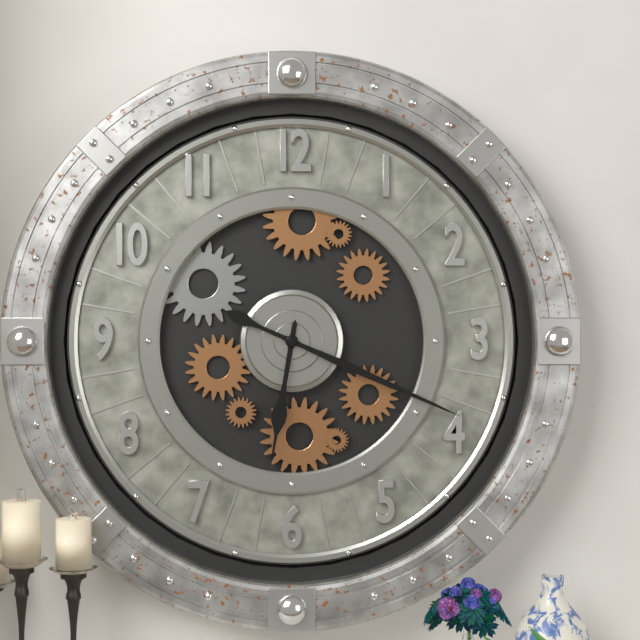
h=6 m=19
